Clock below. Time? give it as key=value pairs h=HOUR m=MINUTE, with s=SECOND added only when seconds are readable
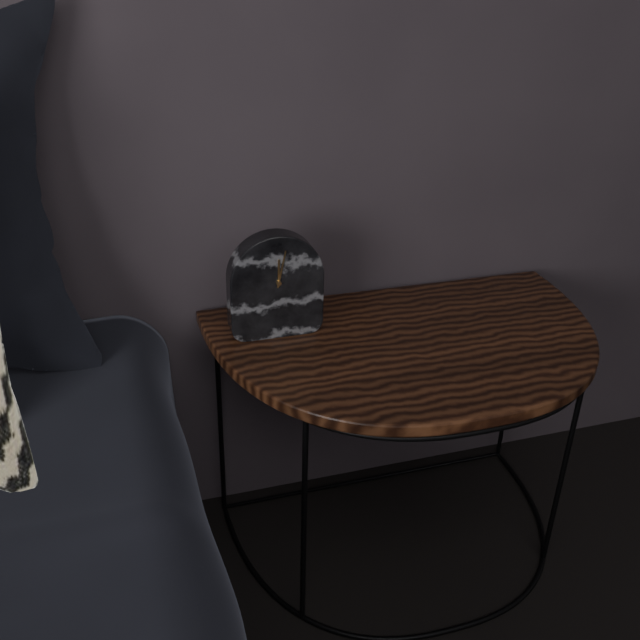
h=12 m=2
